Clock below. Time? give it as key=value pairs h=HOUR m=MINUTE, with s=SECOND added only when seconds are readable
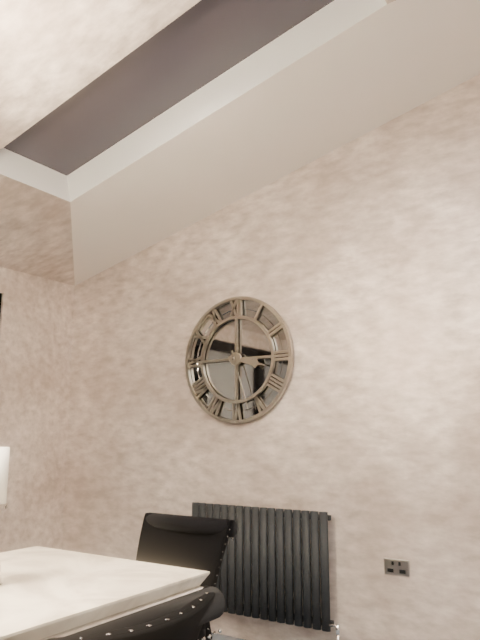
h=3 m=27
